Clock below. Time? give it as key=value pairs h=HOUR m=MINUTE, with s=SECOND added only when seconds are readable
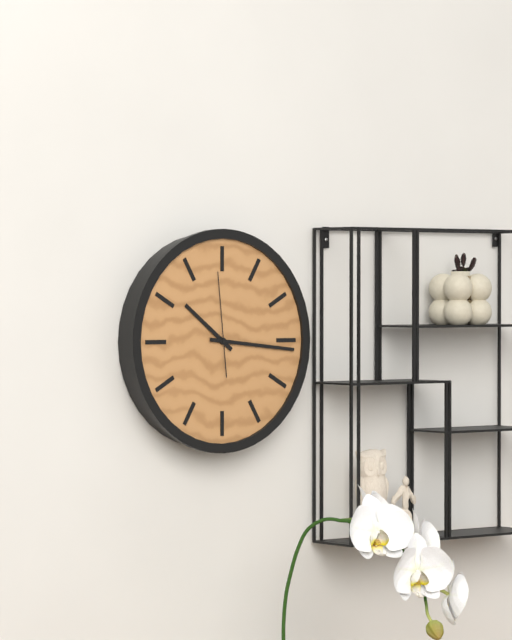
h=10 m=16 s=59
